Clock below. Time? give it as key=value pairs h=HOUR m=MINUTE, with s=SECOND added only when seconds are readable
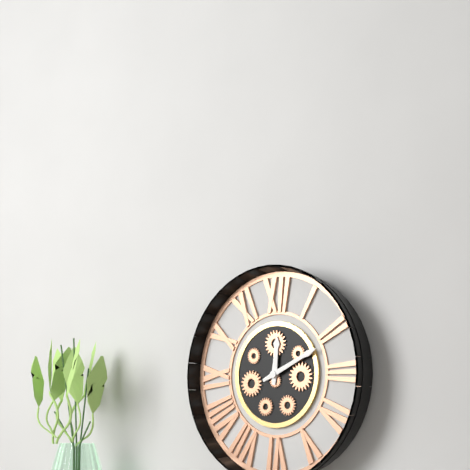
h=12 m=11
